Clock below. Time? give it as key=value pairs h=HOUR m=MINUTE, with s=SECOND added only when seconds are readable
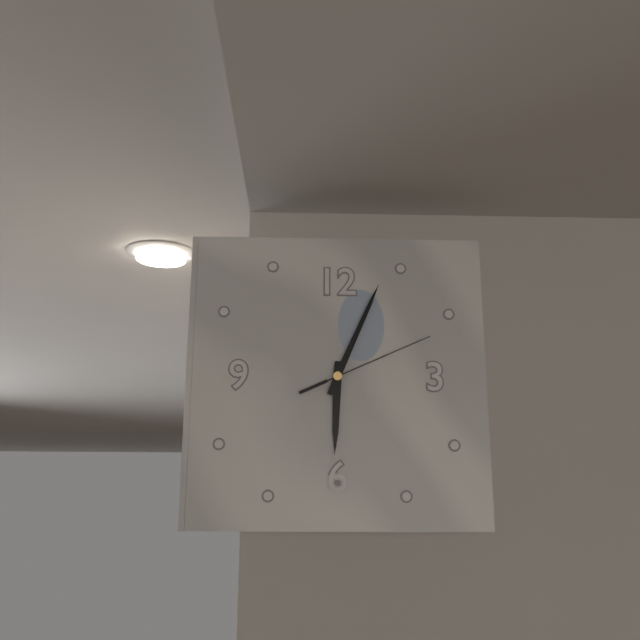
h=6 m=4 s=11
